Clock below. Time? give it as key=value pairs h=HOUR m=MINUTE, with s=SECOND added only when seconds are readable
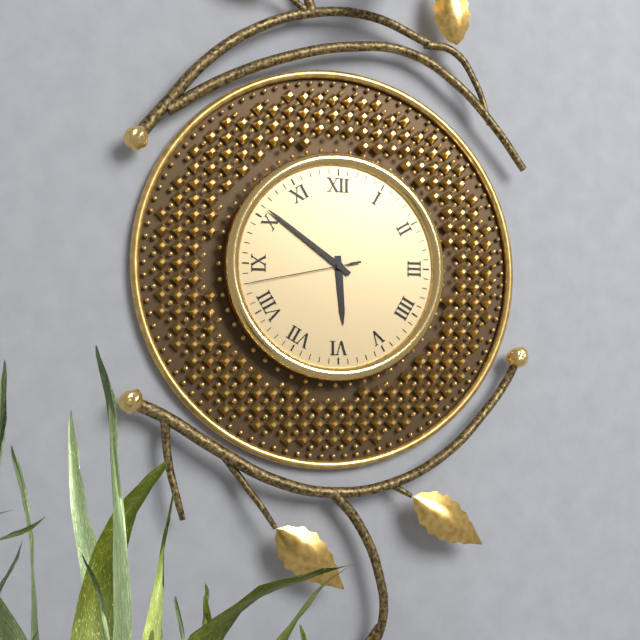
h=5 m=51 s=43
